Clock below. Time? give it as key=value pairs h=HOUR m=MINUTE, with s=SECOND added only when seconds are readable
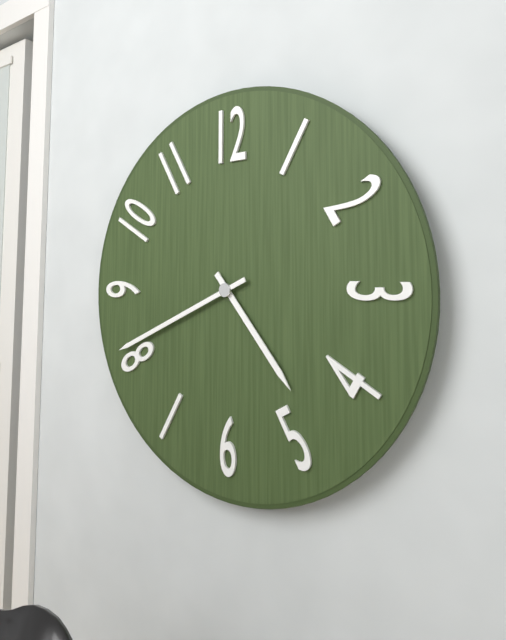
h=4 m=41
